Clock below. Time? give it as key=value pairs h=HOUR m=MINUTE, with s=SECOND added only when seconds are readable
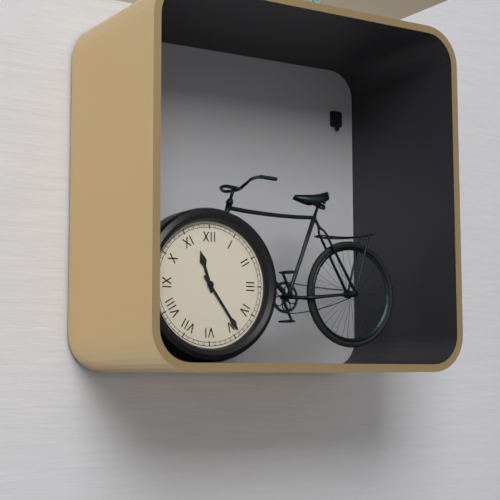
h=11 m=24
